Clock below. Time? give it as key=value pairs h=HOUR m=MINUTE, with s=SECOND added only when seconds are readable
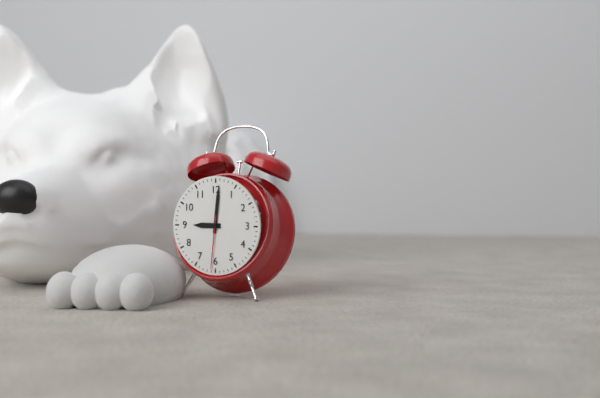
h=9 m=1 s=31
